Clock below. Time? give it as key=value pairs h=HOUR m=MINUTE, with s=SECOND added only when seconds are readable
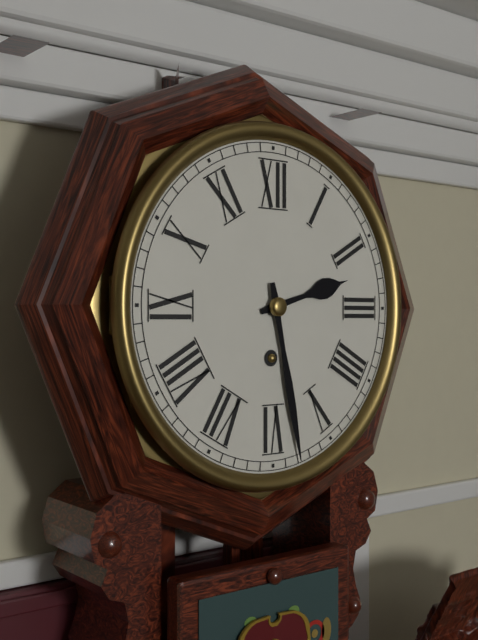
h=2 m=28
